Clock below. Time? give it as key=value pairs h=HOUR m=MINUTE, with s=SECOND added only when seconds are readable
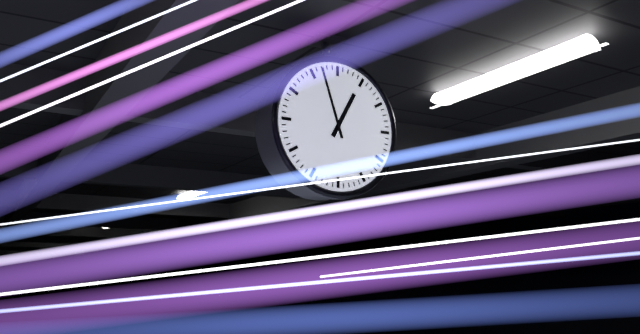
h=12 m=57
